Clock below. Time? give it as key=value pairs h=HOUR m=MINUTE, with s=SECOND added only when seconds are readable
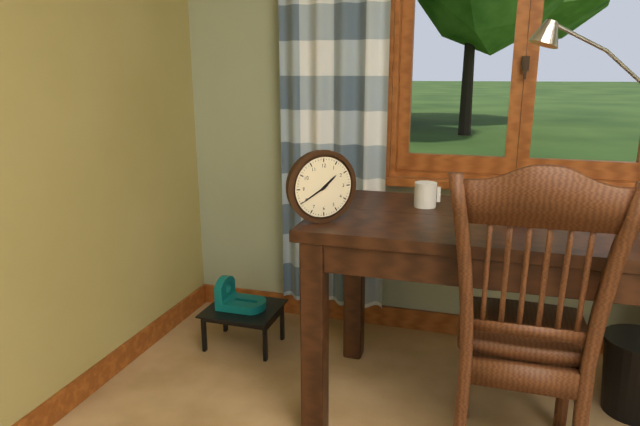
h=1 m=40
